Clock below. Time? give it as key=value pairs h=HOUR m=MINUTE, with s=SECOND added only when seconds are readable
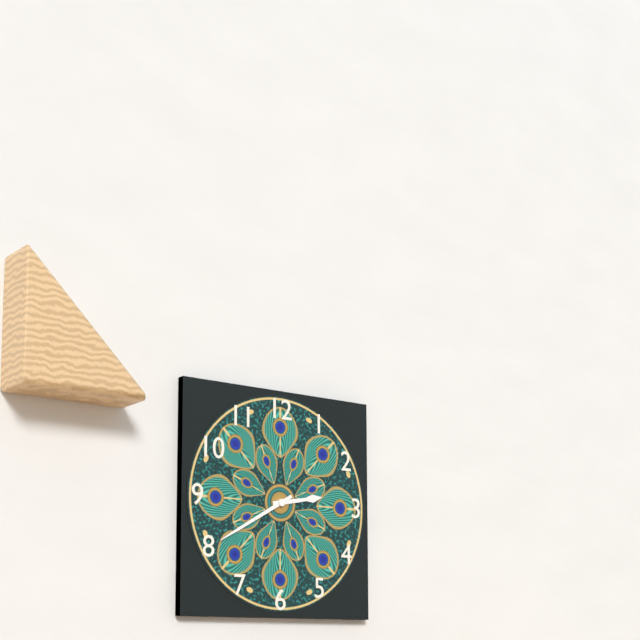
h=2 m=40
